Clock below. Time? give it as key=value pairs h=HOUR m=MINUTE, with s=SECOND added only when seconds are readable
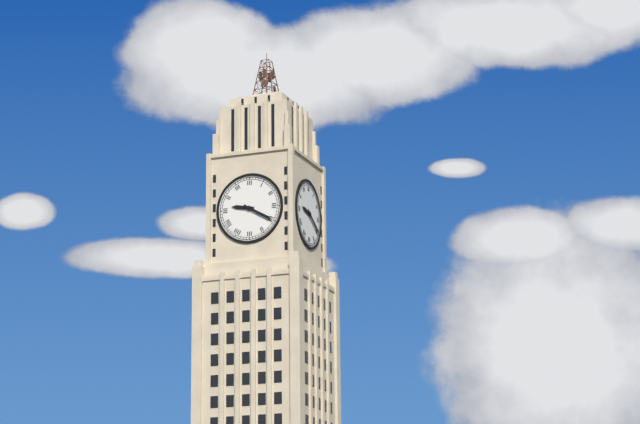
h=9 m=20
